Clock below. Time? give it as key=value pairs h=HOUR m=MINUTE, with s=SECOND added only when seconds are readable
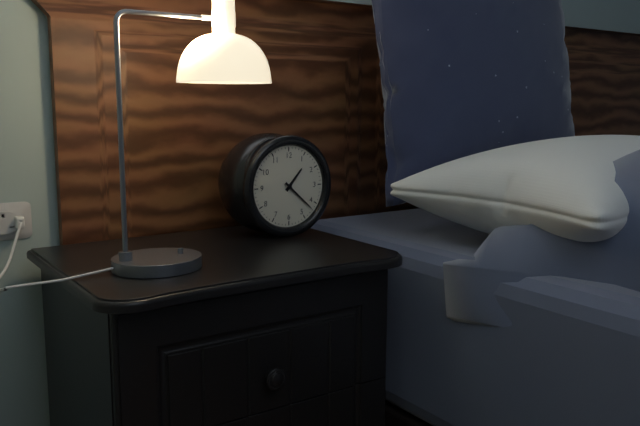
h=1 m=22
